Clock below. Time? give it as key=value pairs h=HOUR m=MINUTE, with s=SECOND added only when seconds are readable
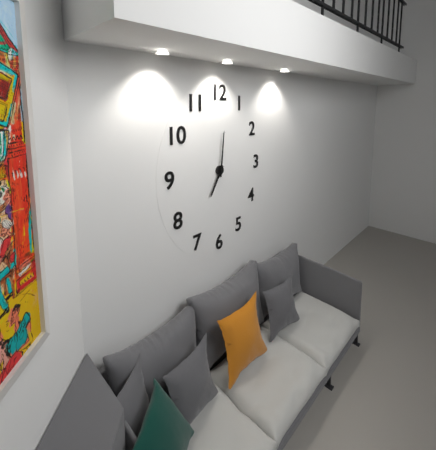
h=7 m=1
